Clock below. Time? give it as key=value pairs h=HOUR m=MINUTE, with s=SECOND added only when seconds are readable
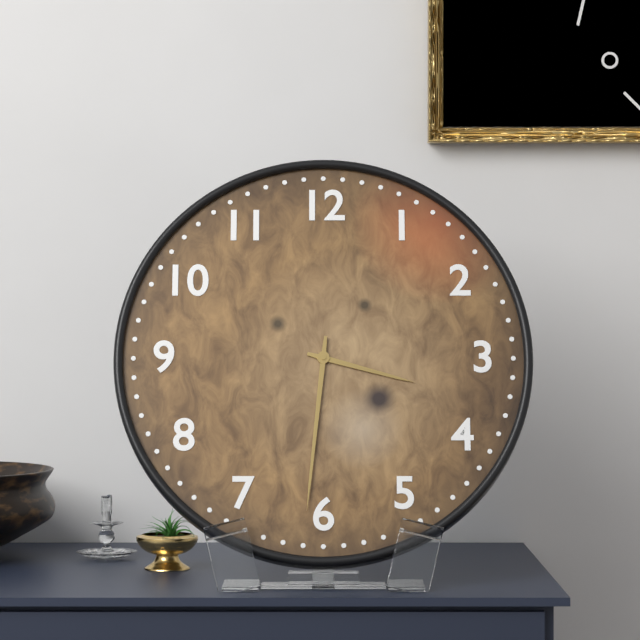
h=3 m=31
